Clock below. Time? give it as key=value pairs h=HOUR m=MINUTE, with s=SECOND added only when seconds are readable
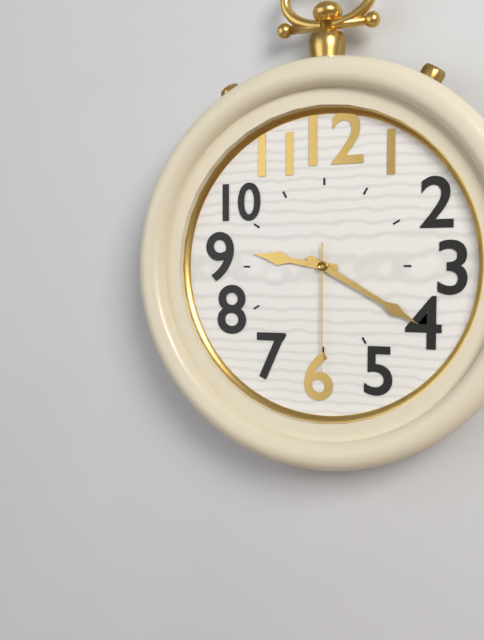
h=9 m=20 s=30
